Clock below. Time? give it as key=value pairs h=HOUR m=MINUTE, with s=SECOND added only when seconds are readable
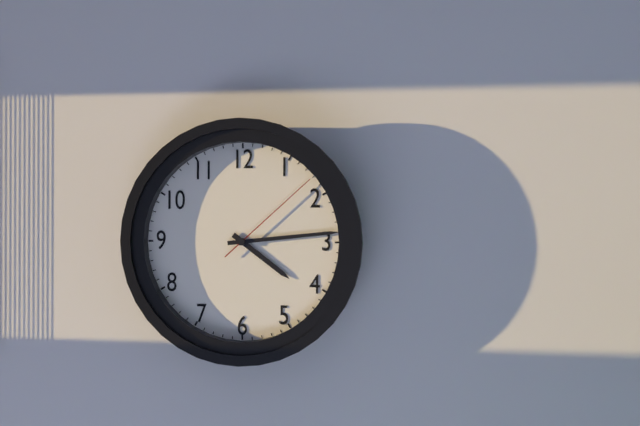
h=4 m=14 s=8
